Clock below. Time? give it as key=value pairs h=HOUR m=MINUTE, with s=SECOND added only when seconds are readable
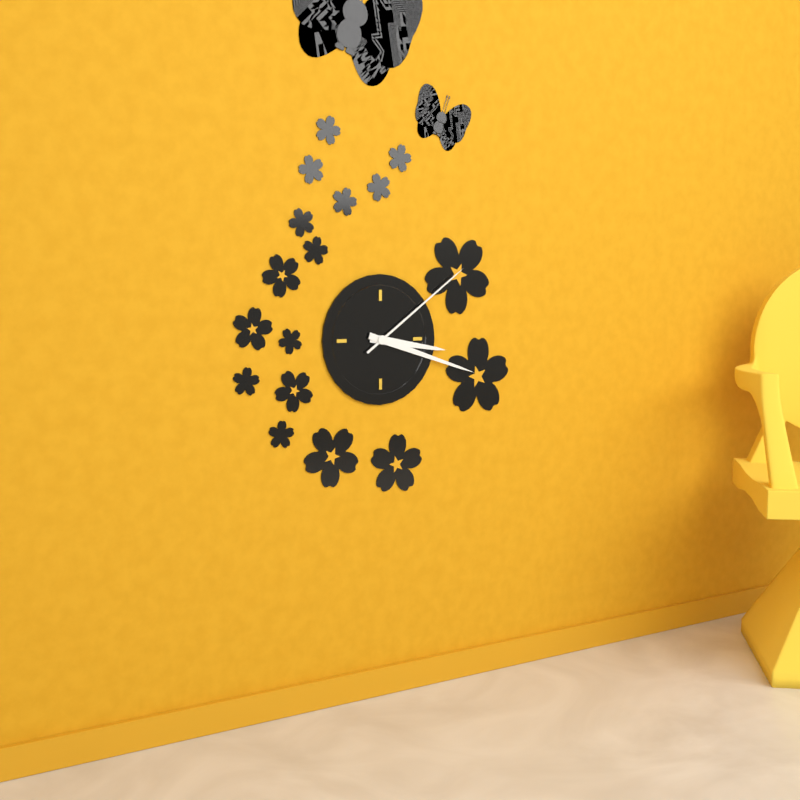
h=3 m=18 s=9
